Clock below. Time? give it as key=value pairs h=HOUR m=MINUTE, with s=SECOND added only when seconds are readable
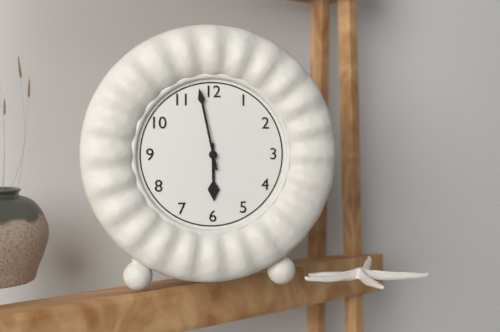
h=5 m=58
